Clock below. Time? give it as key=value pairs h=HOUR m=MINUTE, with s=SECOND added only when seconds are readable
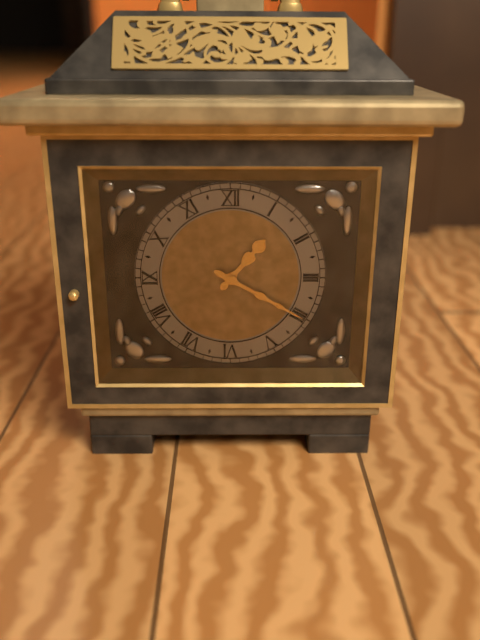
h=1 m=20
